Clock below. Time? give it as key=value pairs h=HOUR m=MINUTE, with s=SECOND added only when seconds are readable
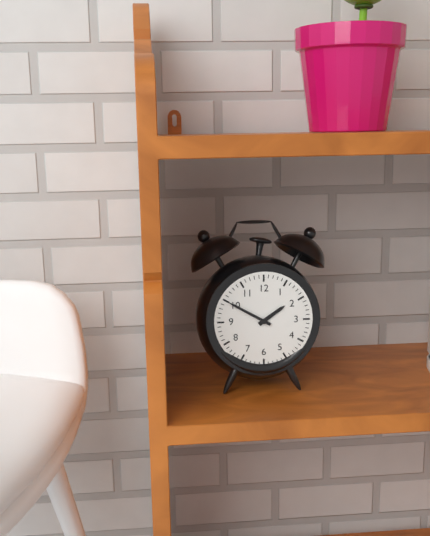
h=1 m=50
